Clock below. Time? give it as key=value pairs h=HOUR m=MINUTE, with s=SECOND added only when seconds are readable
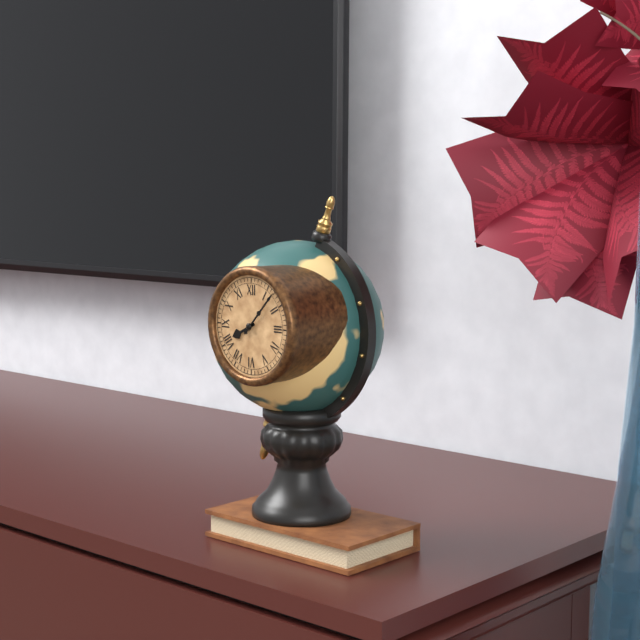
h=8 m=7
